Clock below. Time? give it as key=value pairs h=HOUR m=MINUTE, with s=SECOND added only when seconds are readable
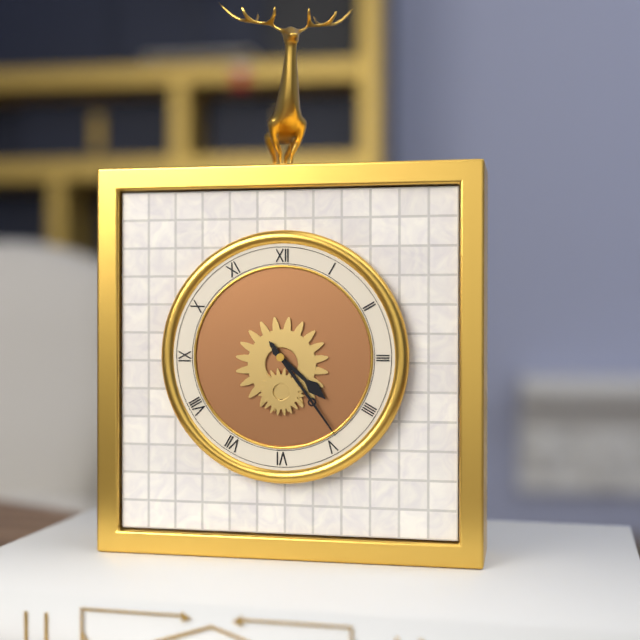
h=4 m=24
